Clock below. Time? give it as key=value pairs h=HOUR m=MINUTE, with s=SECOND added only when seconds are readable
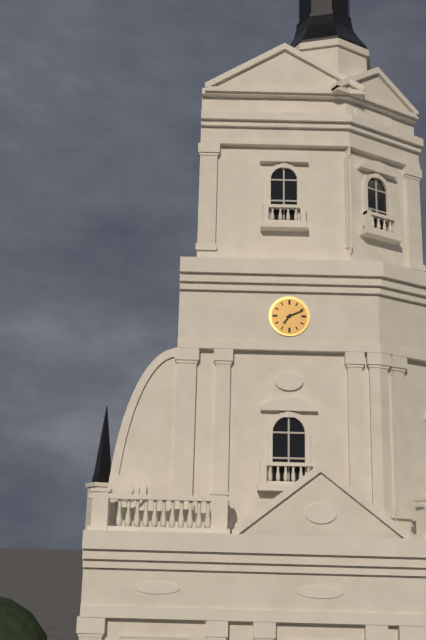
h=7 m=11
